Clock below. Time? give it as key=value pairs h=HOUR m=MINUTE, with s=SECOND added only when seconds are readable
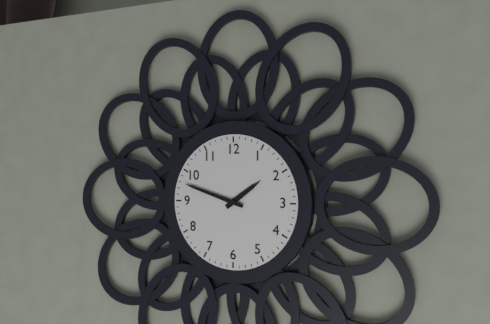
h=1 m=48
